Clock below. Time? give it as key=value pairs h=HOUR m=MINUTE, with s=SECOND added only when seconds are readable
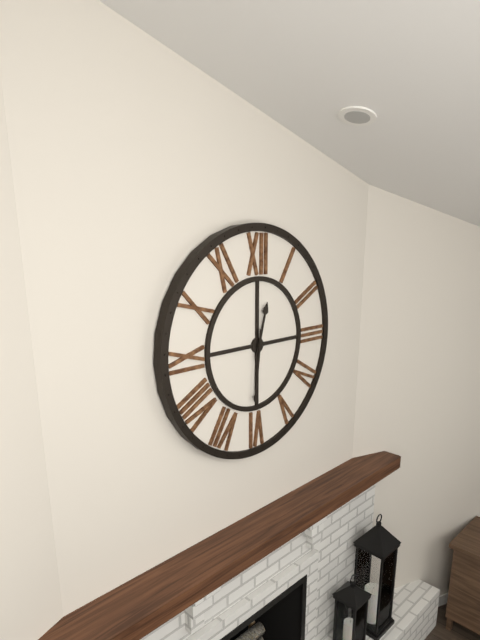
h=12 m=31
